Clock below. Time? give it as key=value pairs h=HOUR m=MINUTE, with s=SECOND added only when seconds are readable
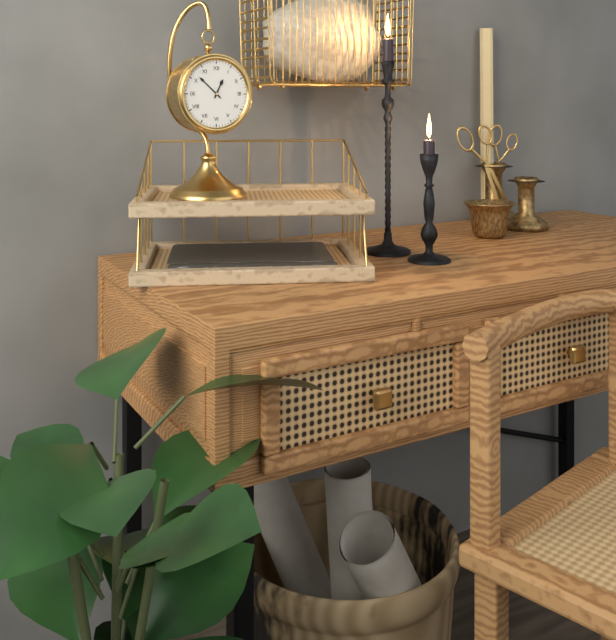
h=12 m=52
